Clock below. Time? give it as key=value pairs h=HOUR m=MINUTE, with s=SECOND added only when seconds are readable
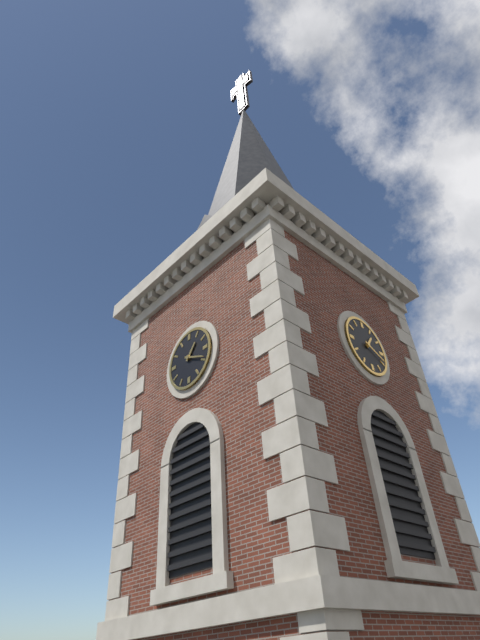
h=1 m=19
